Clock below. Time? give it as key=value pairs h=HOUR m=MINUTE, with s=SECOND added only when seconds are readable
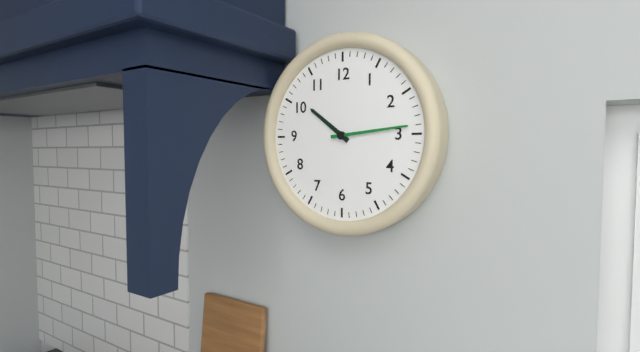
h=10 m=14
